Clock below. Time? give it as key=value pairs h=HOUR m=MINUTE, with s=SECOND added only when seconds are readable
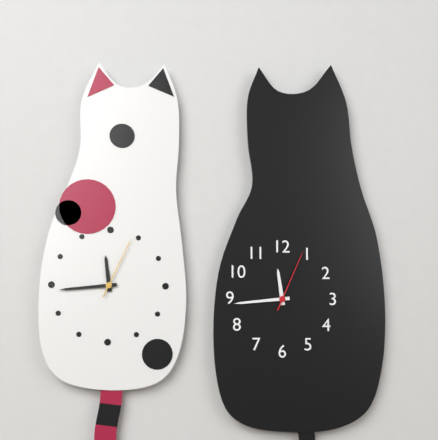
h=11 m=44 s=4
